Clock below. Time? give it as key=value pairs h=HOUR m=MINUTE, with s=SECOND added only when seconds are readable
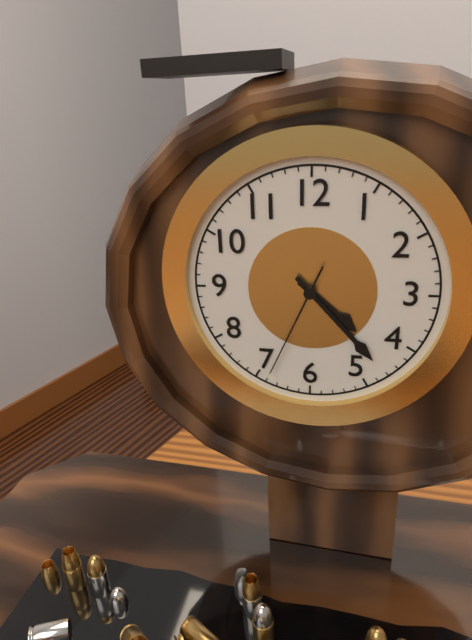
h=4 m=23 s=34
